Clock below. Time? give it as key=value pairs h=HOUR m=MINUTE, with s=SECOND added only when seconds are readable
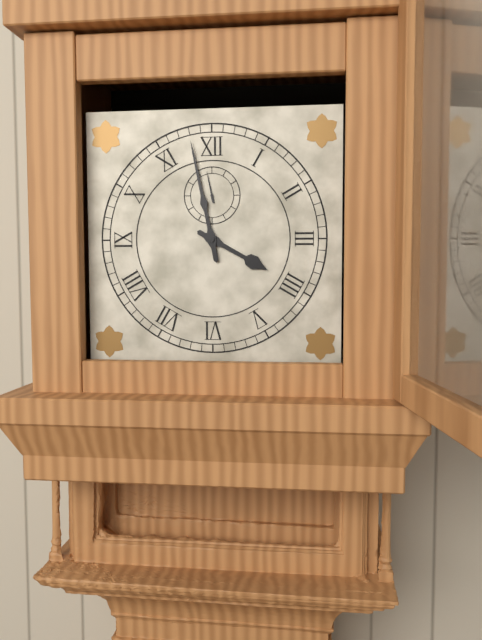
h=3 m=58
